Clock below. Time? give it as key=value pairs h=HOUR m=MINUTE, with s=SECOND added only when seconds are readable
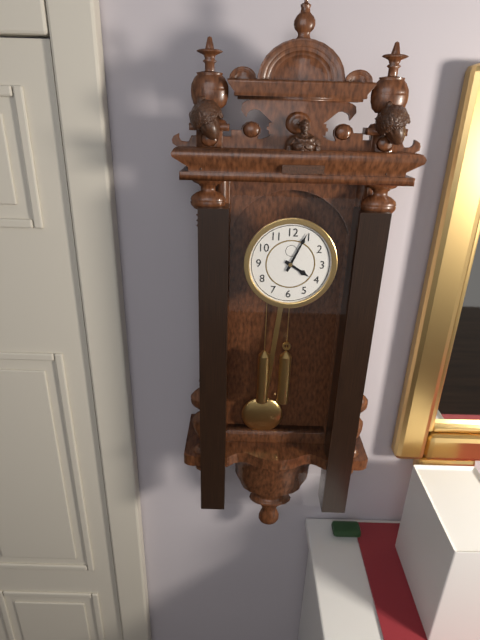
h=4 m=4
